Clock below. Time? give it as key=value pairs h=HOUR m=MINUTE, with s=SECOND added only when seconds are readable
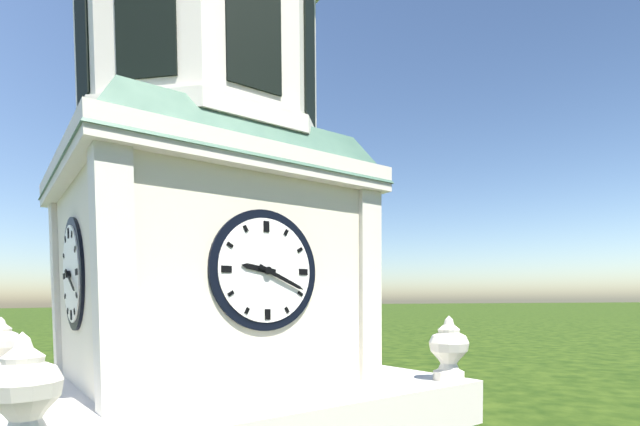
h=9 m=19
